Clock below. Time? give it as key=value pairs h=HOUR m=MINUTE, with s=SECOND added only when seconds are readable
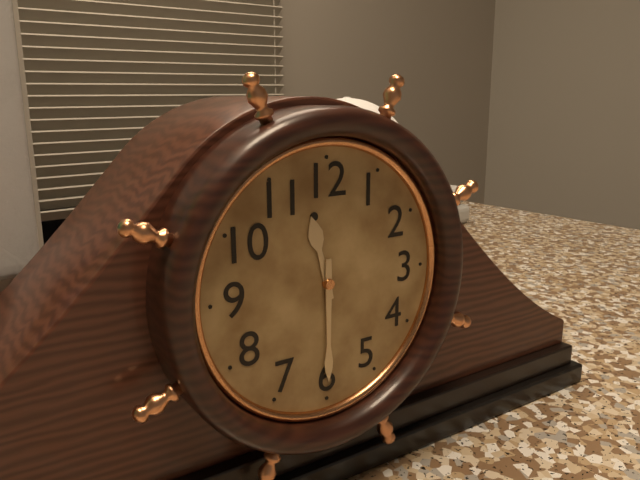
h=11 m=30
